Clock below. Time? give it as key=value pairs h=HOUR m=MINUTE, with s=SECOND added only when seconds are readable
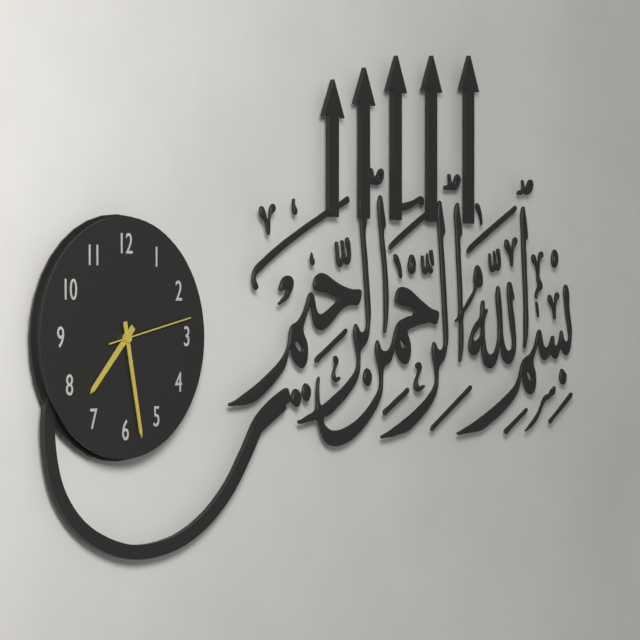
h=7 m=28 s=13
